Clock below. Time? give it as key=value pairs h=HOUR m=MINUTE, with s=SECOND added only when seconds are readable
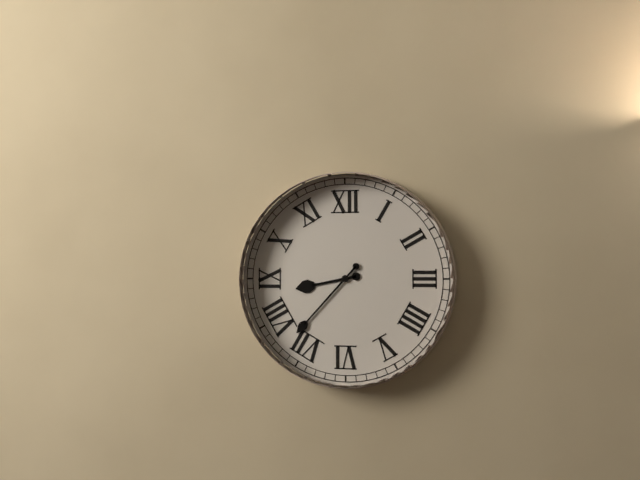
h=8 m=37
